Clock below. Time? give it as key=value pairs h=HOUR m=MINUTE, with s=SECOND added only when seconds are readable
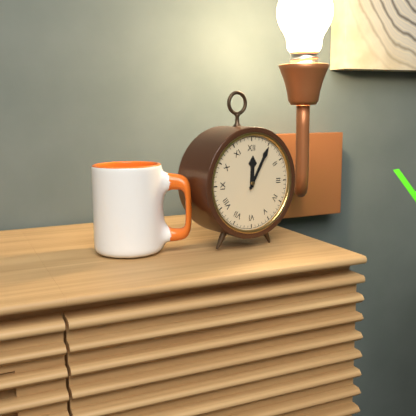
h=12 m=5
